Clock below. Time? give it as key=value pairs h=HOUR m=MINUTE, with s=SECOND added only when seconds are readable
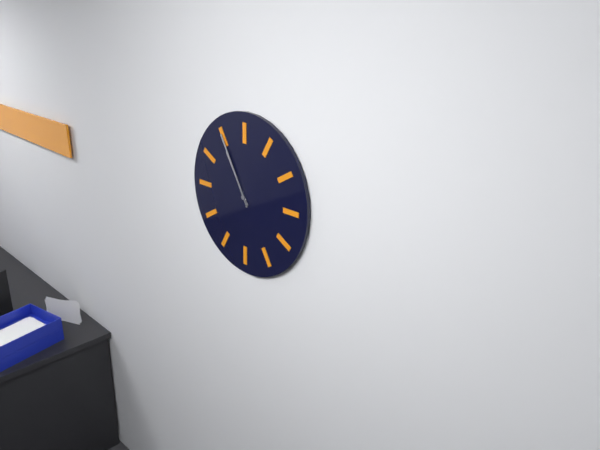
h=10 m=55
